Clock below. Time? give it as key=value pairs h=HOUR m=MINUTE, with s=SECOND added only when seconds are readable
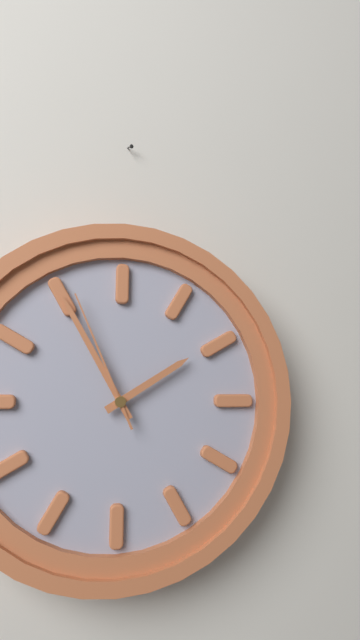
h=1 m=55 s=56
